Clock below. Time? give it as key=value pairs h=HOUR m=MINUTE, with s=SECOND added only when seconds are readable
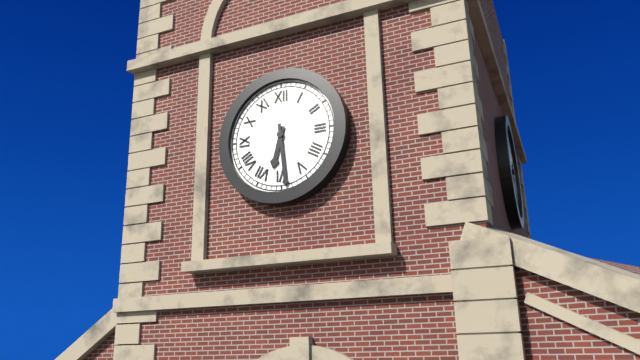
h=6 m=29
